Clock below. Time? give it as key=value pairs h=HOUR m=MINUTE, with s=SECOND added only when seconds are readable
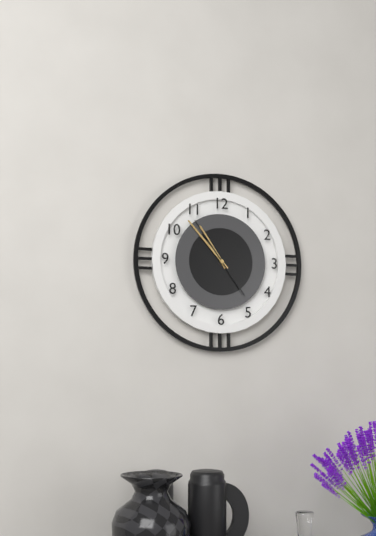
h=10 m=53 s=54
